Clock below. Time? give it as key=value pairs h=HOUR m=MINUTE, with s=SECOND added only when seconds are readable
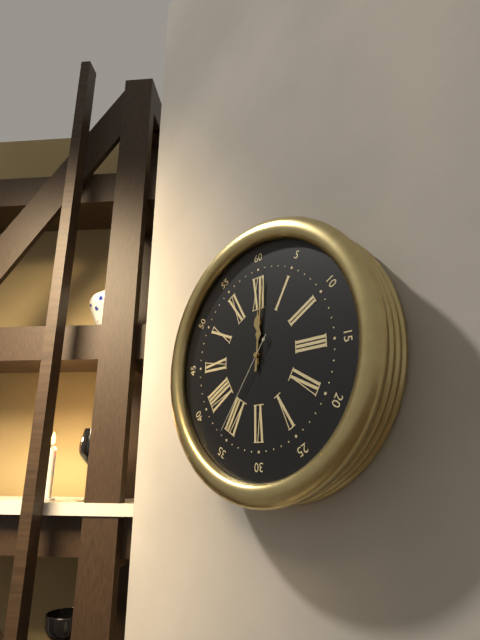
h=12 m=1 s=36
